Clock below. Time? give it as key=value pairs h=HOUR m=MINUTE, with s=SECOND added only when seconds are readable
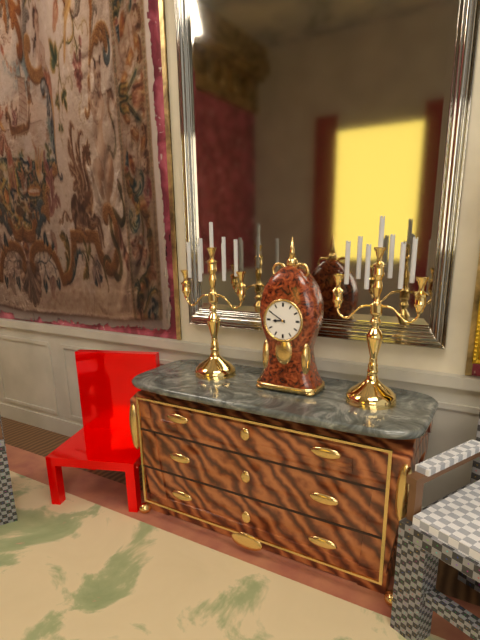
h=8 m=50
